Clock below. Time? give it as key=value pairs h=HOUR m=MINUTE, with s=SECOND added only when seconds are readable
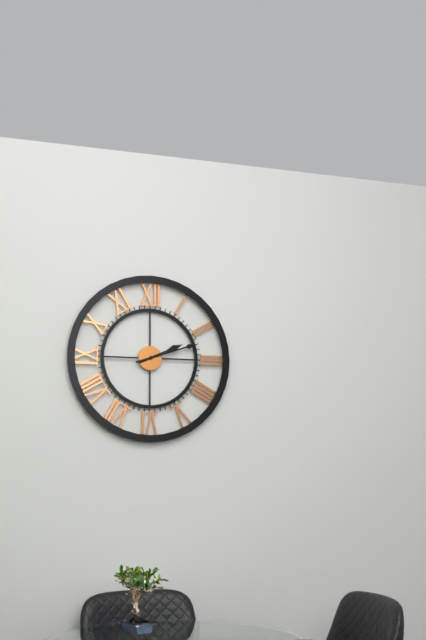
h=2 m=12
